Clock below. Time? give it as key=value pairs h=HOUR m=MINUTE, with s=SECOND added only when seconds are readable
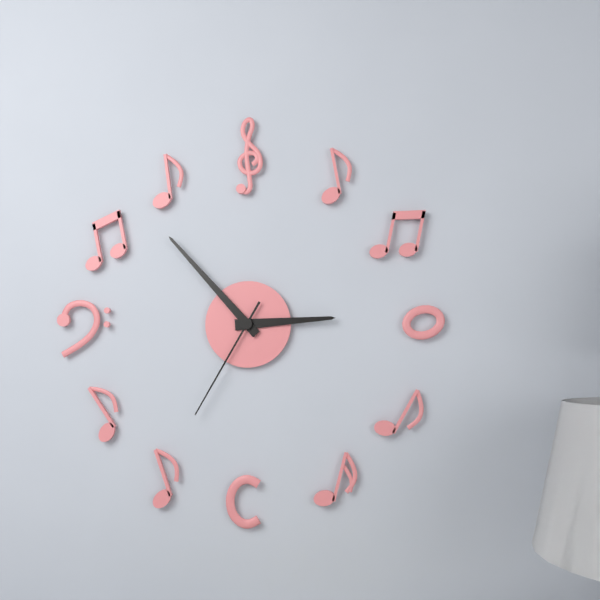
h=2 m=53 s=35
